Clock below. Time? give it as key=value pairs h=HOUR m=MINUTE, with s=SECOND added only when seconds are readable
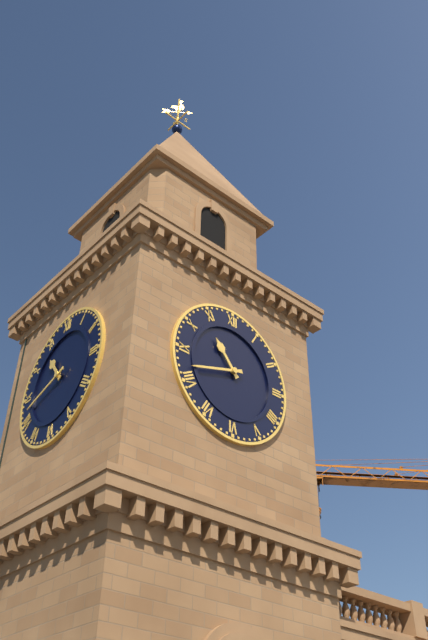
h=10 m=42
